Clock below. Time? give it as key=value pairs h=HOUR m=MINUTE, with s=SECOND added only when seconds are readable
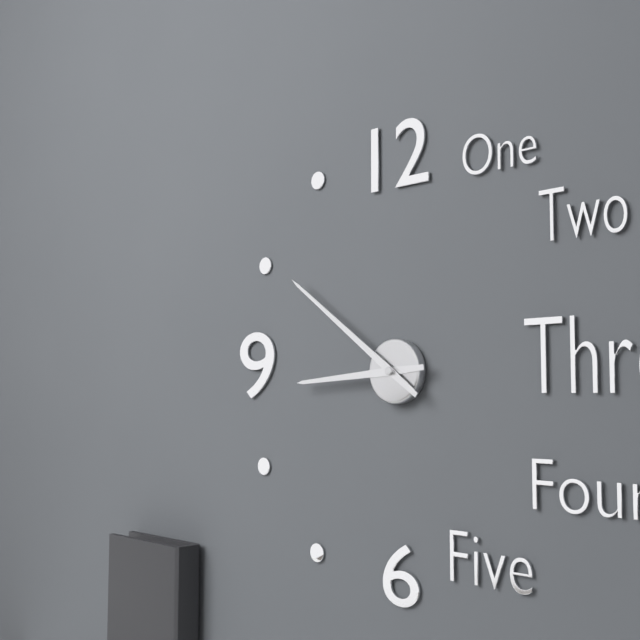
h=8 m=51
